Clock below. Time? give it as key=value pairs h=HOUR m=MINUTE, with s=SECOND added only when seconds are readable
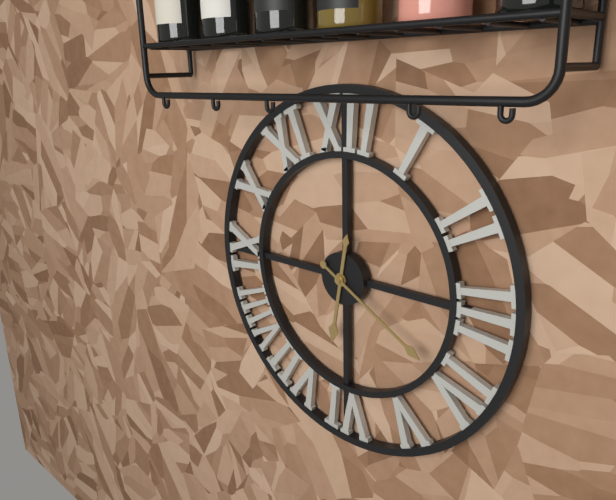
h=6 m=20
